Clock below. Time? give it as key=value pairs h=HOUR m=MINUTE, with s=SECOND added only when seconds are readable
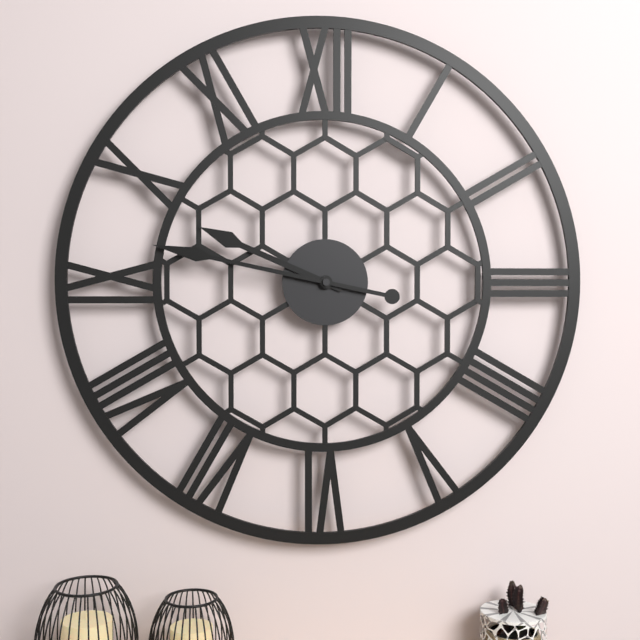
h=9 m=47
